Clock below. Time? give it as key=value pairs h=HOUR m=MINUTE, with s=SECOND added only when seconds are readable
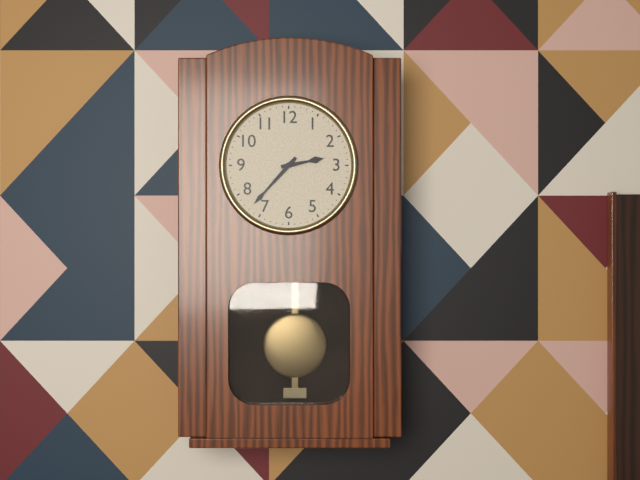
h=2 m=37
